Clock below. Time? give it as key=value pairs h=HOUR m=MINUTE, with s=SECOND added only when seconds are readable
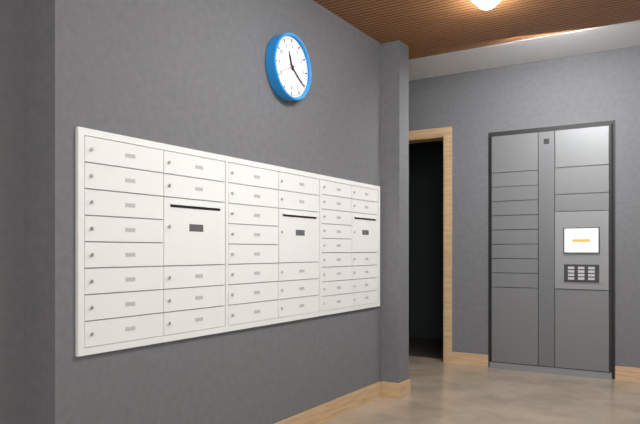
h=11 m=21
